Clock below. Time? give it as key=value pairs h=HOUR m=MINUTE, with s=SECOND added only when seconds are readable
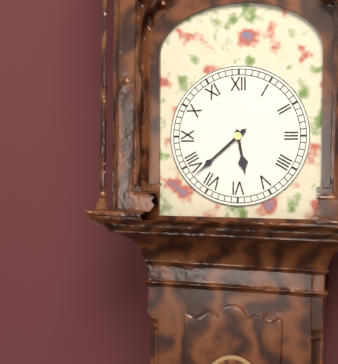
h=5 m=38
